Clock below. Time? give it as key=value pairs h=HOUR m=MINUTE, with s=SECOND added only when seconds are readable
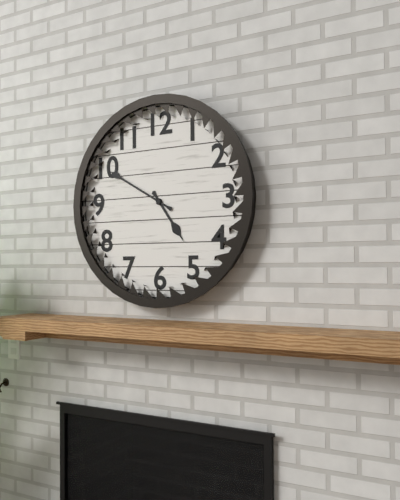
h=4 m=50
